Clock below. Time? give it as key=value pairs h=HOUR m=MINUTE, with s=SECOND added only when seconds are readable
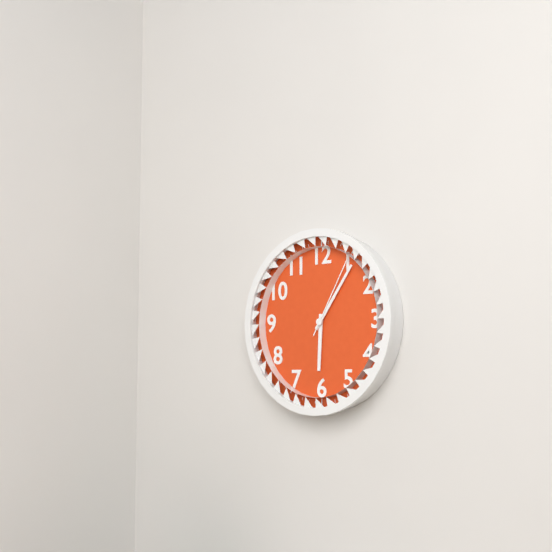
h=6 m=6 s=5
